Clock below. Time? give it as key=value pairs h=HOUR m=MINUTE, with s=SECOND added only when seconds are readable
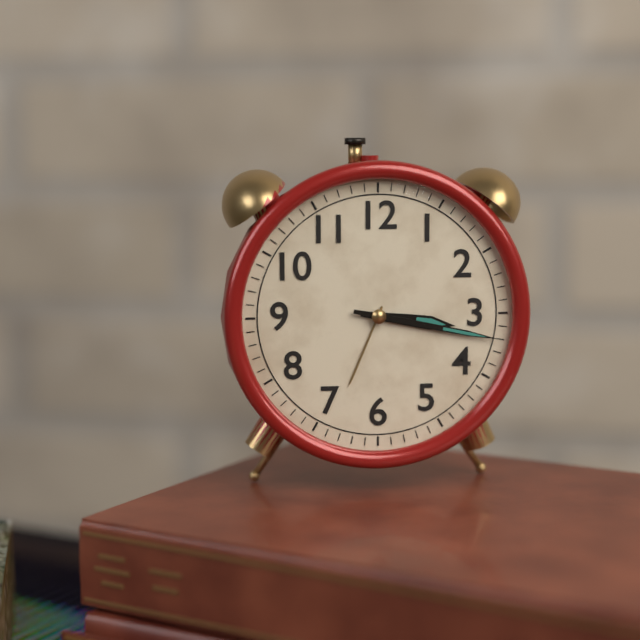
h=3 m=17
